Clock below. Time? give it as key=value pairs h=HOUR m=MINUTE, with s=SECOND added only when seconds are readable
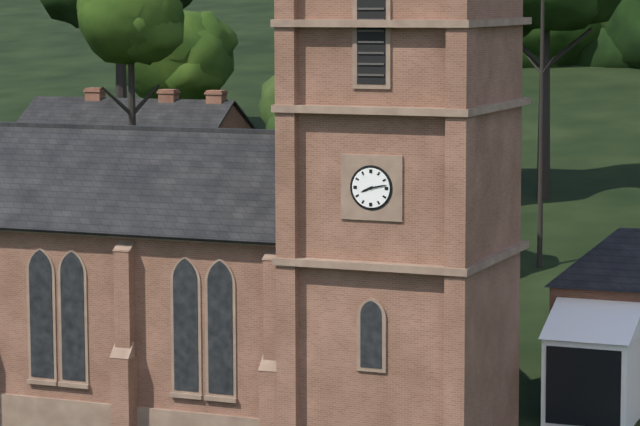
h=8 m=13
